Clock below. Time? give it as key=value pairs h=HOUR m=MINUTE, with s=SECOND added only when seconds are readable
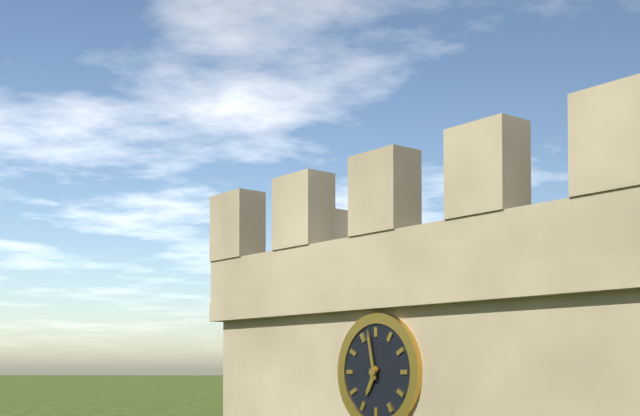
h=6 m=58
